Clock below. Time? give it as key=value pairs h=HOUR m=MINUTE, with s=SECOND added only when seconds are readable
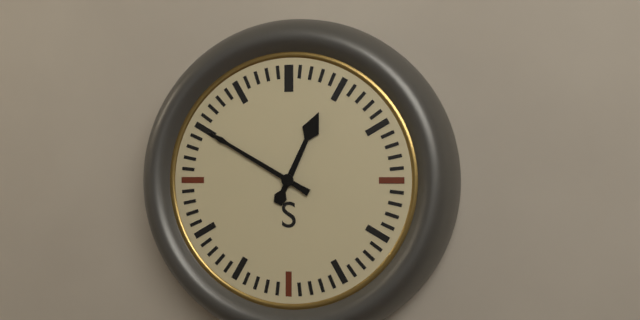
h=12 m=50
